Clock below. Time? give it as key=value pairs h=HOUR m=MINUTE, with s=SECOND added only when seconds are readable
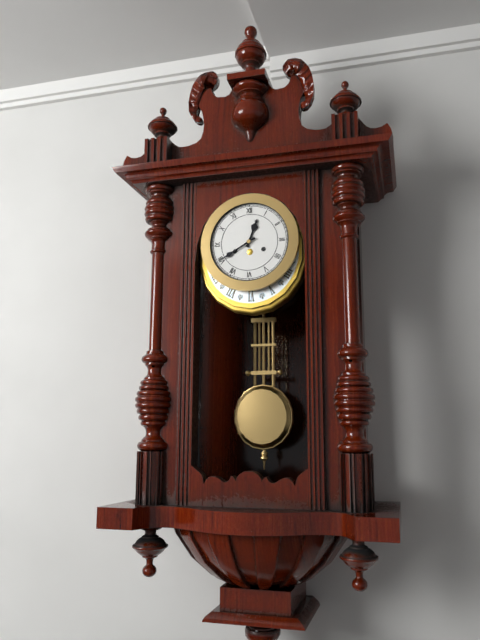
h=12 m=40
